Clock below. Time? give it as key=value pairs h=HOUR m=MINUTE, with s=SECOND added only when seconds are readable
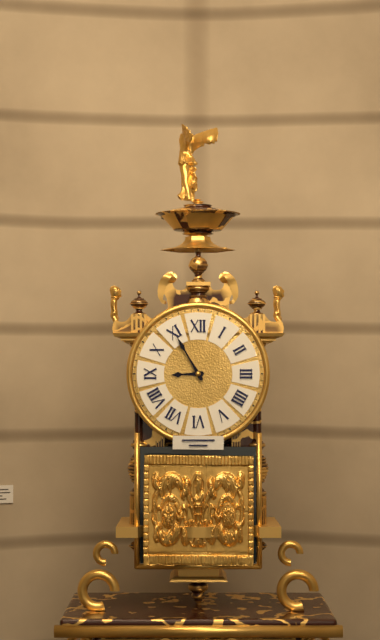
h=8 m=55
